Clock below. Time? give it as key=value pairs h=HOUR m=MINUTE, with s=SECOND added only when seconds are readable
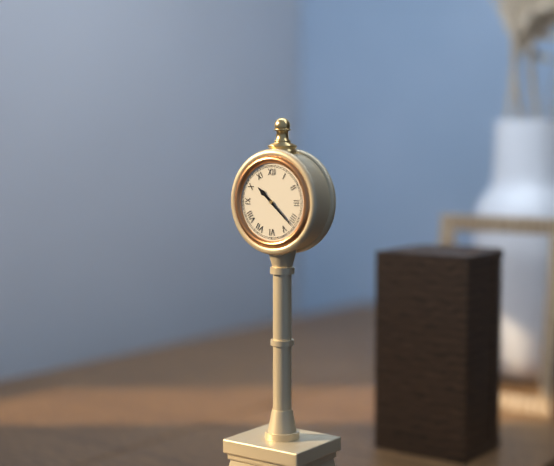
h=10 m=22
